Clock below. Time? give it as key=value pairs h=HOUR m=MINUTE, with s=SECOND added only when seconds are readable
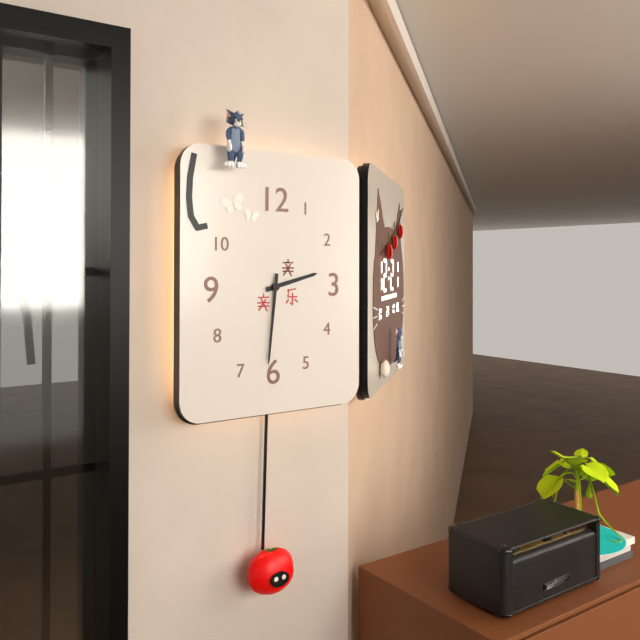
h=2 m=31
